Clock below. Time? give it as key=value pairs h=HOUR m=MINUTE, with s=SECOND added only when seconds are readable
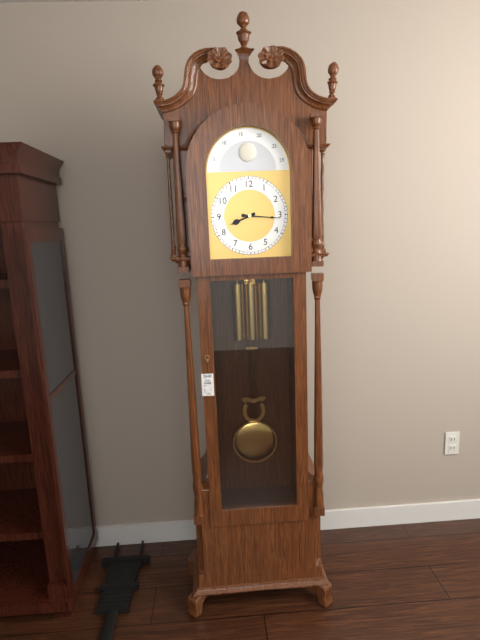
h=8 m=16
